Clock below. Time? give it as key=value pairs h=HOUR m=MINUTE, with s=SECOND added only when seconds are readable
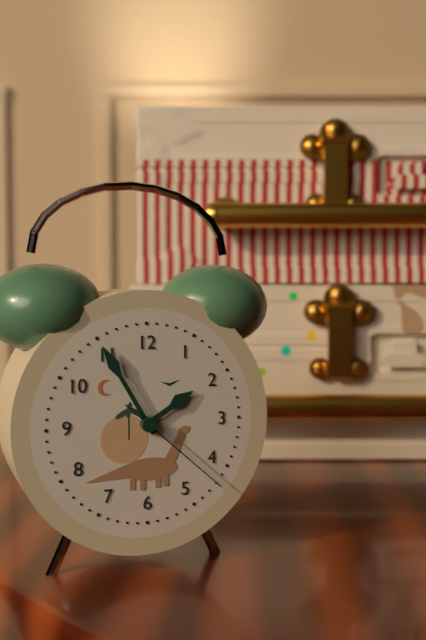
h=1 m=55 s=22
